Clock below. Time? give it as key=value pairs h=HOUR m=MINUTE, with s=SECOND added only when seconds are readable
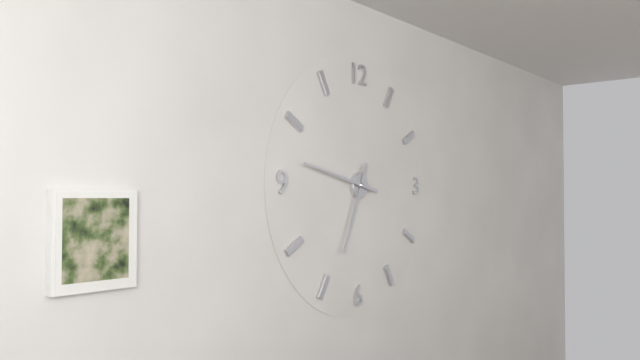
h=6 m=47
